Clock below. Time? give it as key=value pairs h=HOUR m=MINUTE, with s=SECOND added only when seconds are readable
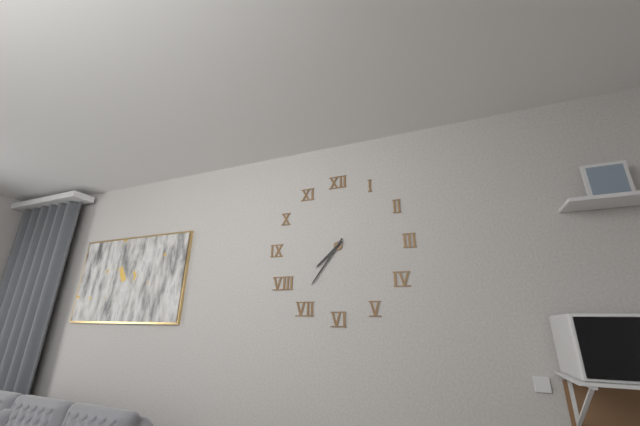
h=7 m=36
